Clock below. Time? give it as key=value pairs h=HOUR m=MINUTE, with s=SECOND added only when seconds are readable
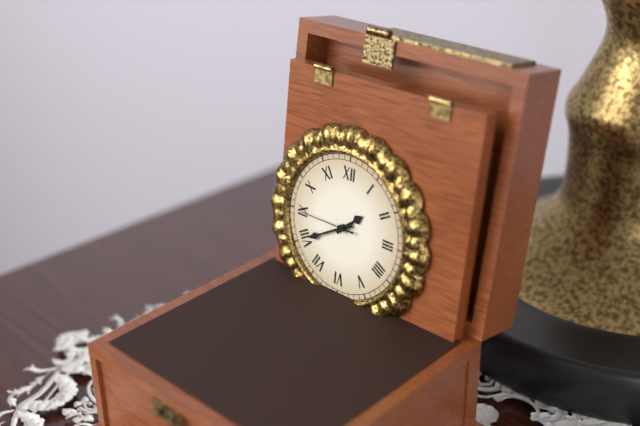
h=1 m=40 s=45
